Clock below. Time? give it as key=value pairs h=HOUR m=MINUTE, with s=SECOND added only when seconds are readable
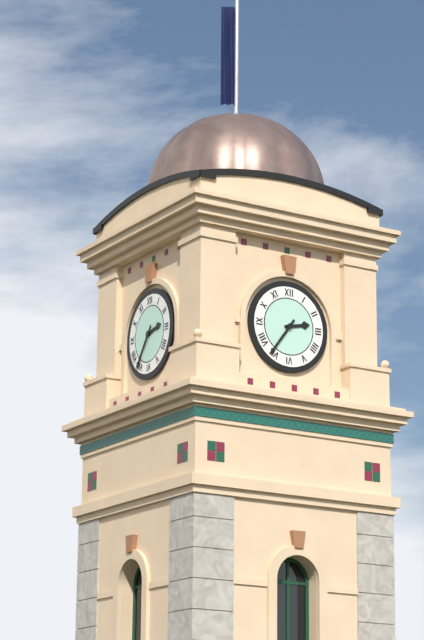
h=2 m=36
